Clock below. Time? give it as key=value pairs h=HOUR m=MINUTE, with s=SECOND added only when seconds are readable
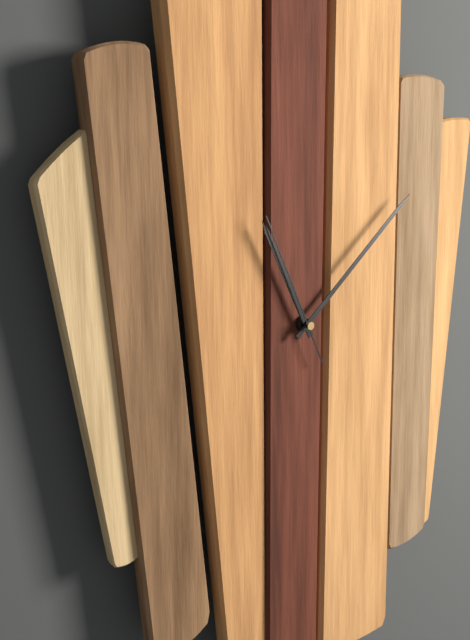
h=11 m=8 s=56
